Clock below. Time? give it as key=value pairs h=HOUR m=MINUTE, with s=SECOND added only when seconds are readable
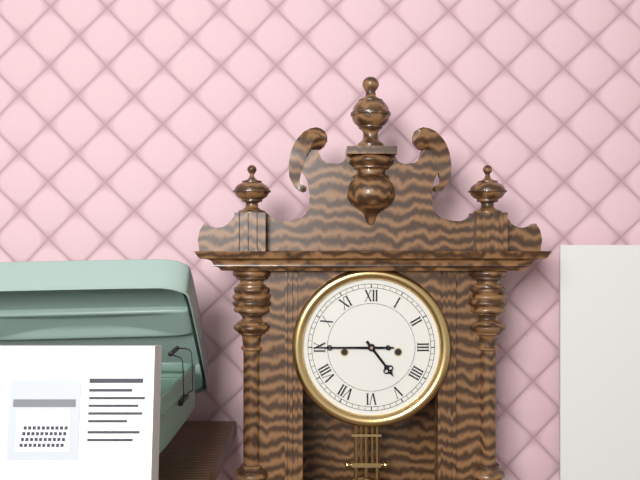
h=4 m=45
